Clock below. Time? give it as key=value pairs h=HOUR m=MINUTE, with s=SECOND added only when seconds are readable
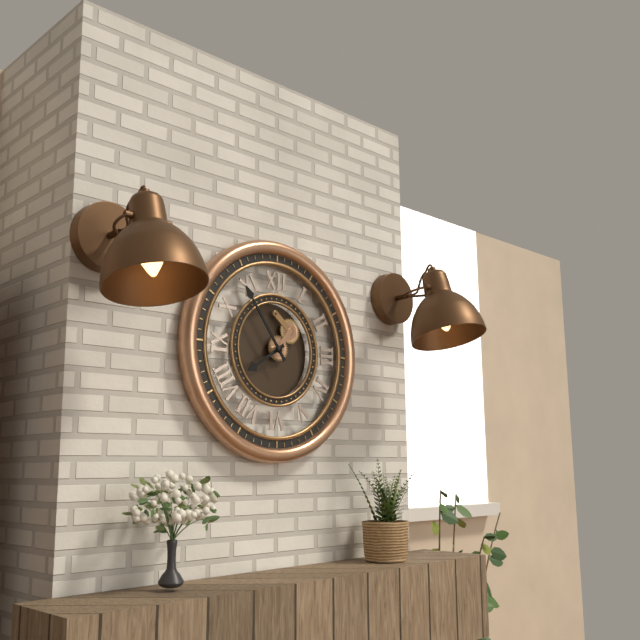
h=7 m=54
